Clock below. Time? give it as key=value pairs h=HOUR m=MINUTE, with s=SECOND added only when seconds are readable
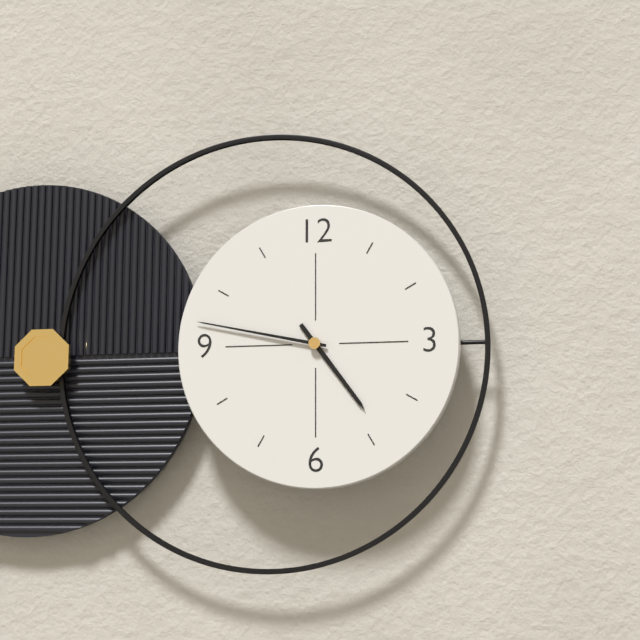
h=4 m=47
